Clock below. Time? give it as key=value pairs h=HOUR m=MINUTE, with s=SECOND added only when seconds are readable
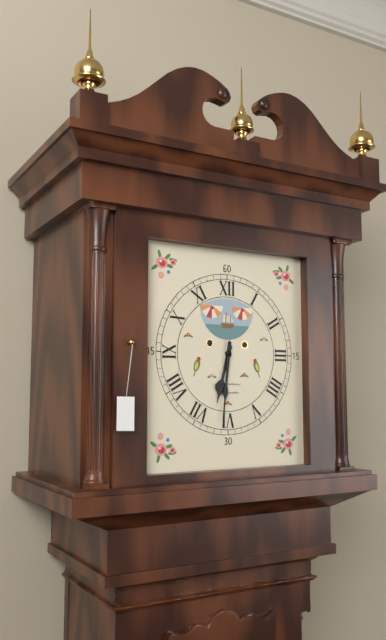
h=6 m=31
